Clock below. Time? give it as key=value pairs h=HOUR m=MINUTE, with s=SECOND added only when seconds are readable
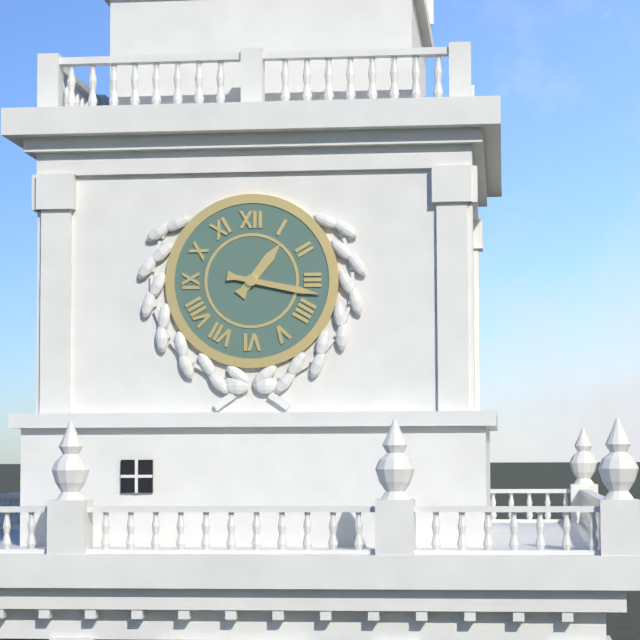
h=1 m=17
